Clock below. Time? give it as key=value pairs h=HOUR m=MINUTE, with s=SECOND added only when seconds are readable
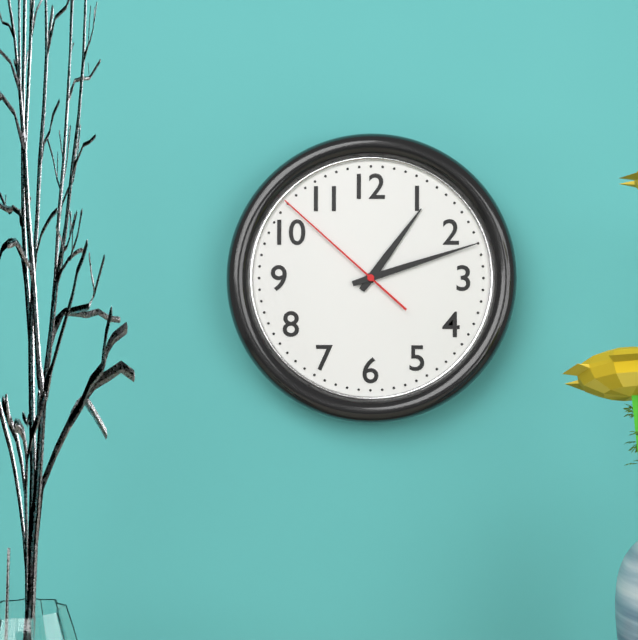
h=1 m=12 s=52
